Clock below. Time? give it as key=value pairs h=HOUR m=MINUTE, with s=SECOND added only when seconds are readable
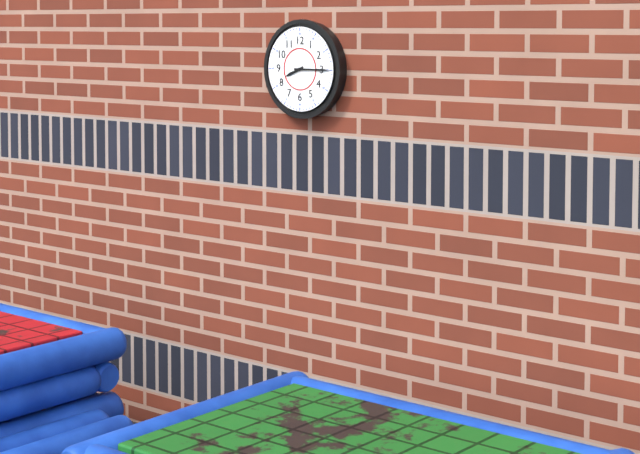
h=8 m=15
